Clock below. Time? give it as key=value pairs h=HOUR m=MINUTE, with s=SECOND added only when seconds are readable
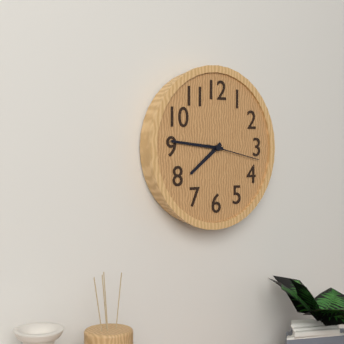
h=7 m=46 s=17
